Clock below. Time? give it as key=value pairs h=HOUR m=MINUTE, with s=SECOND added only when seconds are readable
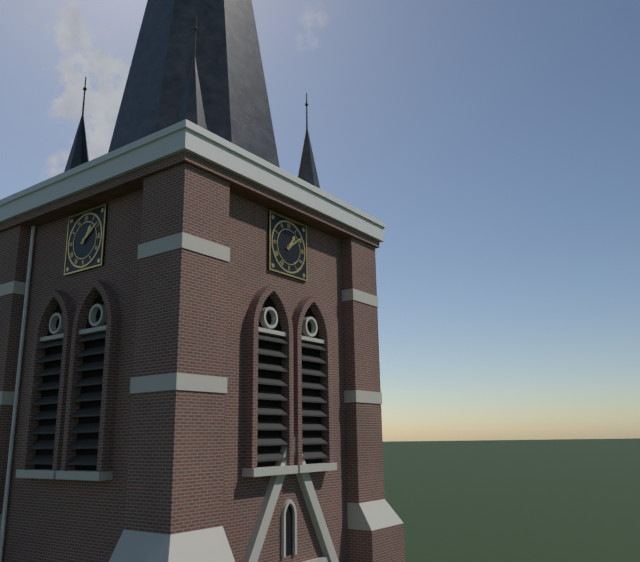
h=1 m=9
